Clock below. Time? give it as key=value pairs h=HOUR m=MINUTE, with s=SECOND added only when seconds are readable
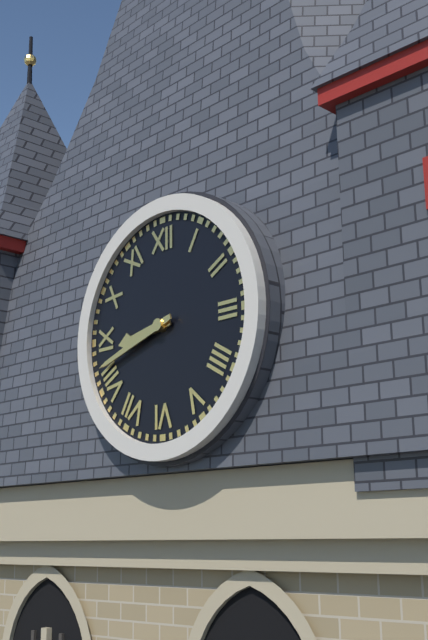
h=8 m=42
